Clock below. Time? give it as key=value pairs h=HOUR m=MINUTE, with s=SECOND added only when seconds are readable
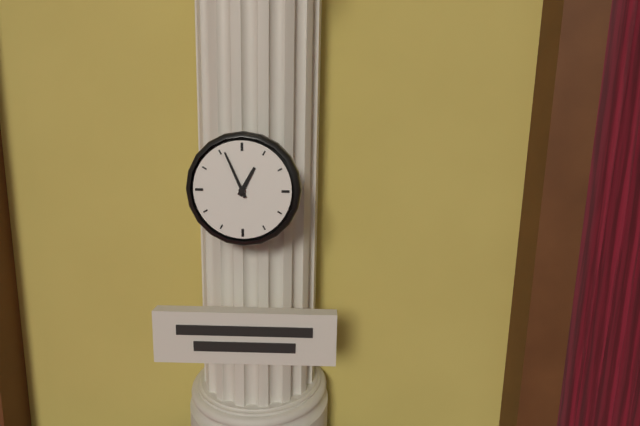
h=12 m=56
